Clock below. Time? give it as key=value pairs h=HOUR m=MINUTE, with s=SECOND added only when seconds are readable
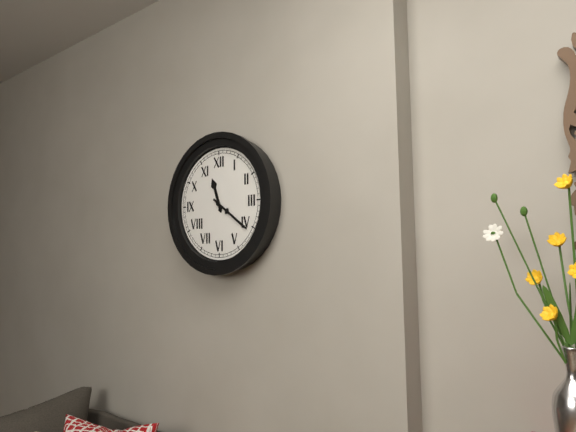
h=11 m=21
